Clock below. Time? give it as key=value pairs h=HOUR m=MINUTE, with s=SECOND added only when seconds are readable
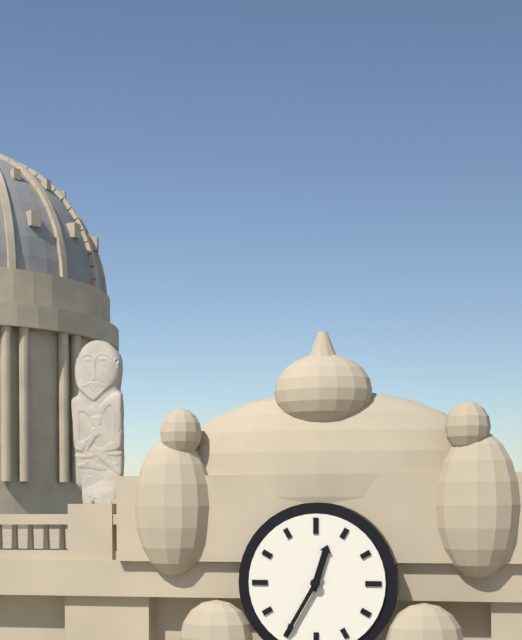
h=12 m=35
